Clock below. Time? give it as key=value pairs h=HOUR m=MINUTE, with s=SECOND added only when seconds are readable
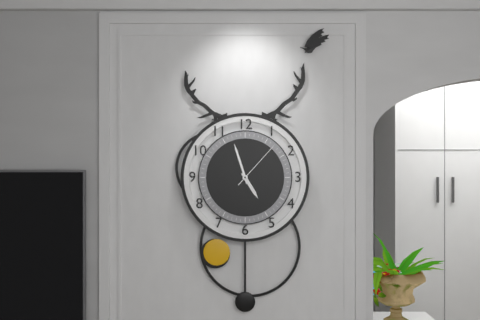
h=4 m=57 s=7
